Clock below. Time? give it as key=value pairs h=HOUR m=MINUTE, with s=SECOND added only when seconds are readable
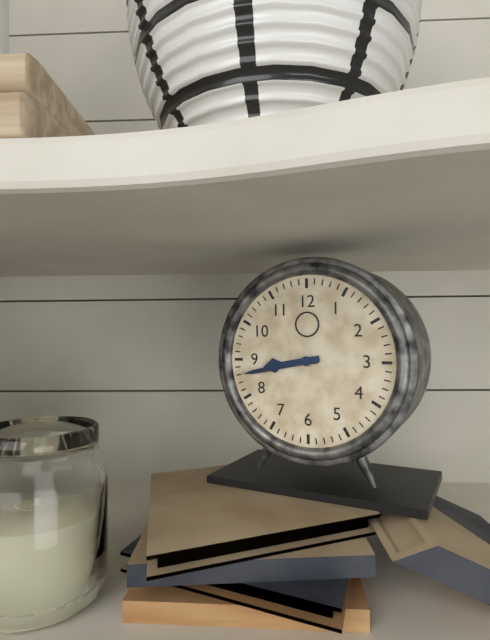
h=8 m=43
